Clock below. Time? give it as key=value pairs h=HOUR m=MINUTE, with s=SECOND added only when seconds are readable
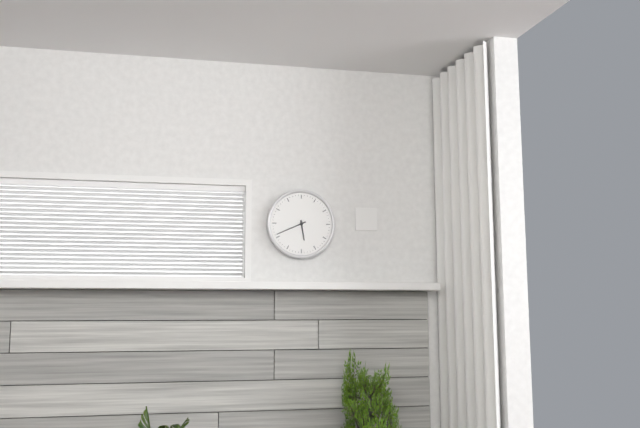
h=5 m=41
